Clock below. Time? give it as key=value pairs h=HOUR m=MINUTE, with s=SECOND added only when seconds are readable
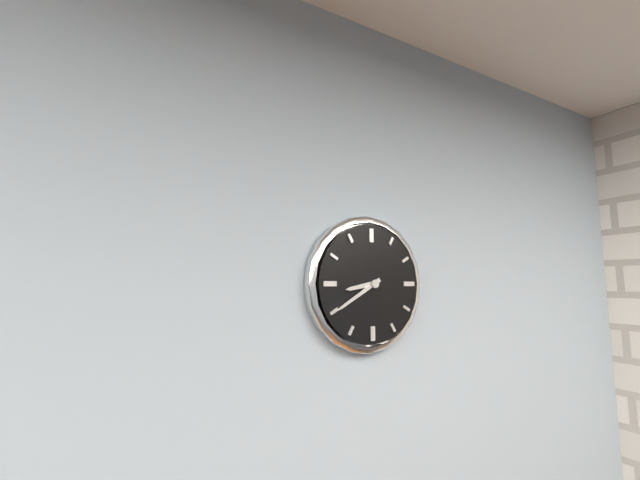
h=8 m=40
